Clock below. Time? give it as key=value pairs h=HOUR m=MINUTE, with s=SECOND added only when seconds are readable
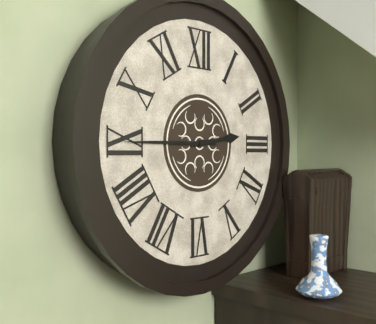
h=2 m=45
